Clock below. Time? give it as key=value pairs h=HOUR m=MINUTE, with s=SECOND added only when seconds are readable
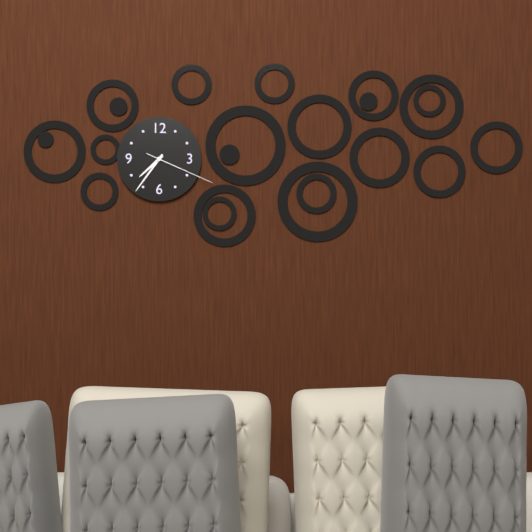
h=7 m=36 s=19
